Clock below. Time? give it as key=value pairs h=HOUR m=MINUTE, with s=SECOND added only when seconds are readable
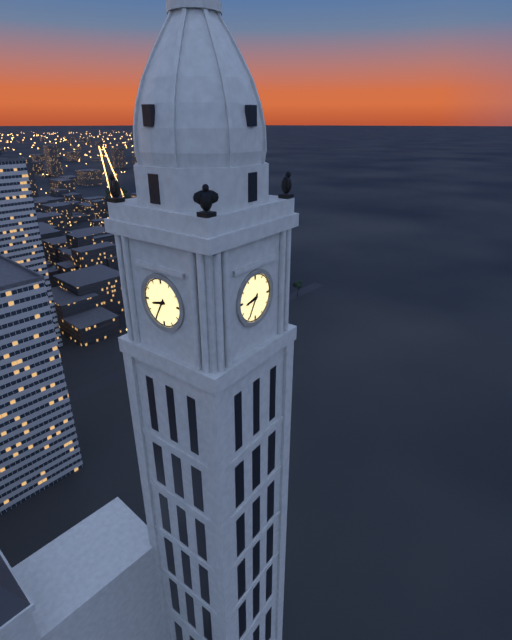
h=8 m=35
